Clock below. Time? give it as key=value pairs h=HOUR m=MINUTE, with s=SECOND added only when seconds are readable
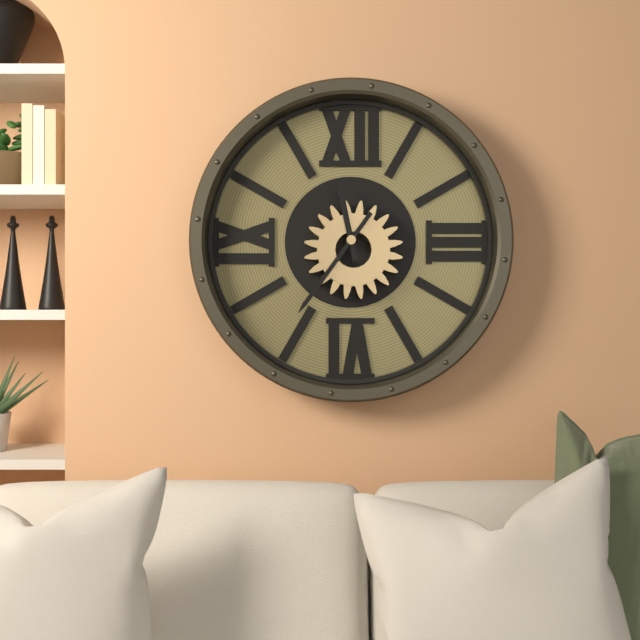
h=11 m=36
